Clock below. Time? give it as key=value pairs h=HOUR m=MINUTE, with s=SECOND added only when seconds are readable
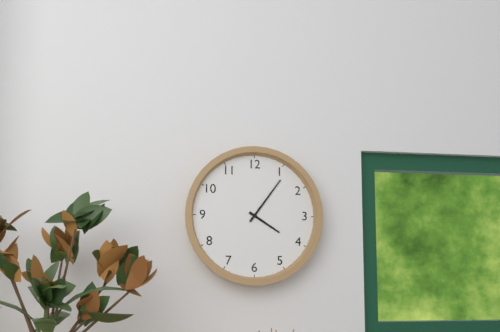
h=4 m=6
